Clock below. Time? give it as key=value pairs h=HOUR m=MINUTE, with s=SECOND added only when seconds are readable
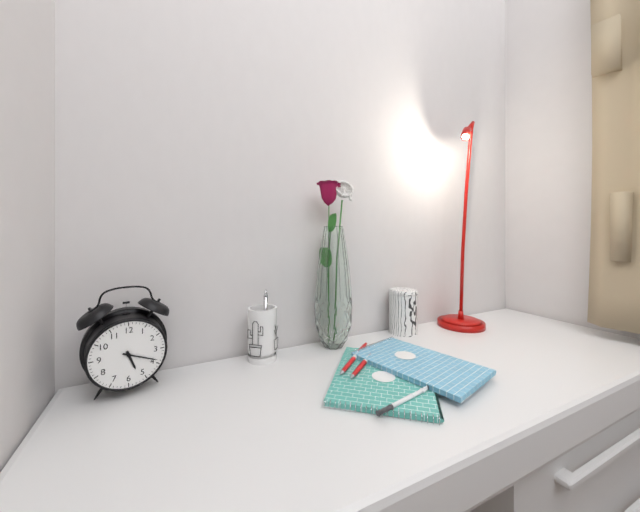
h=5 m=19
